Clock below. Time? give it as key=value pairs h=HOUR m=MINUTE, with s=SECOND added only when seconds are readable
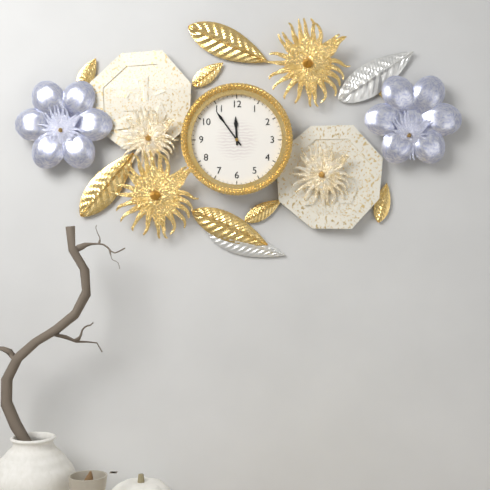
h=11 m=54
